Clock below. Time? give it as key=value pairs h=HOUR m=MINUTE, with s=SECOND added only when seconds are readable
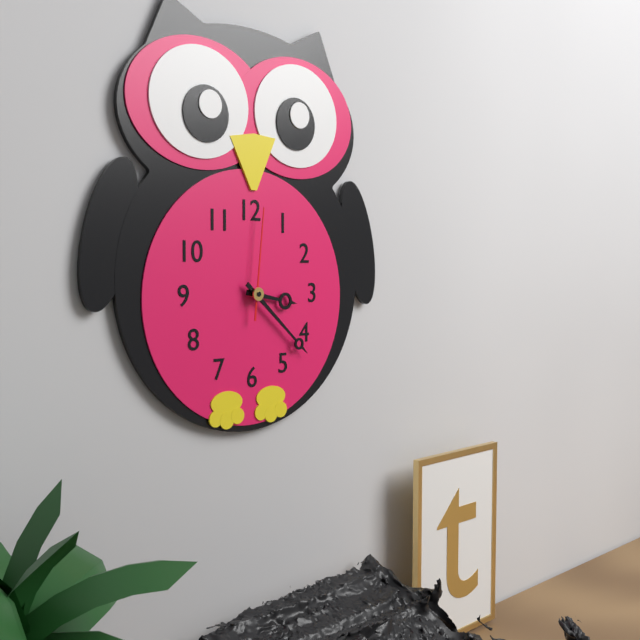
h=3 m=22 s=1
